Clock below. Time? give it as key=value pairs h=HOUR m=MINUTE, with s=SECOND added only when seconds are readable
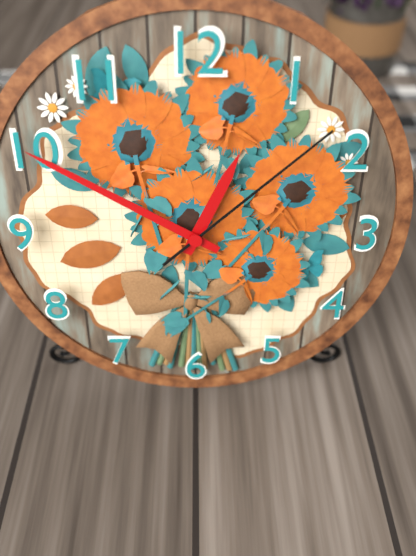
h=12 m=50 s=8
